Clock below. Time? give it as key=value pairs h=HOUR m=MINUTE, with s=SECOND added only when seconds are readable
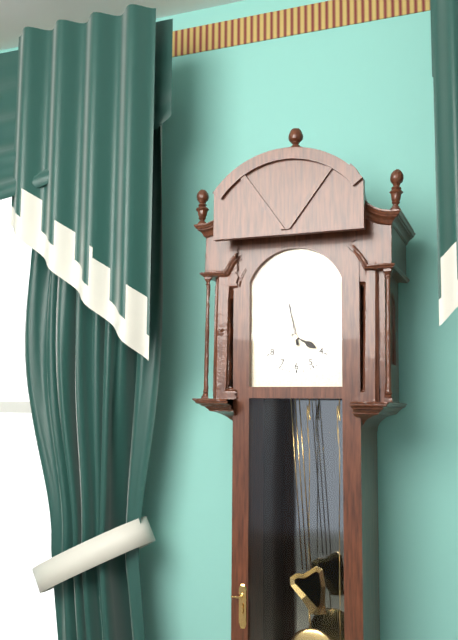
h=3 m=58
